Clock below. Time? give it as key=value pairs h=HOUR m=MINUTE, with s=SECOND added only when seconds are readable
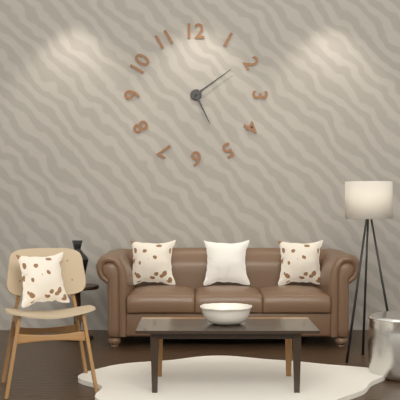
h=5 m=9
